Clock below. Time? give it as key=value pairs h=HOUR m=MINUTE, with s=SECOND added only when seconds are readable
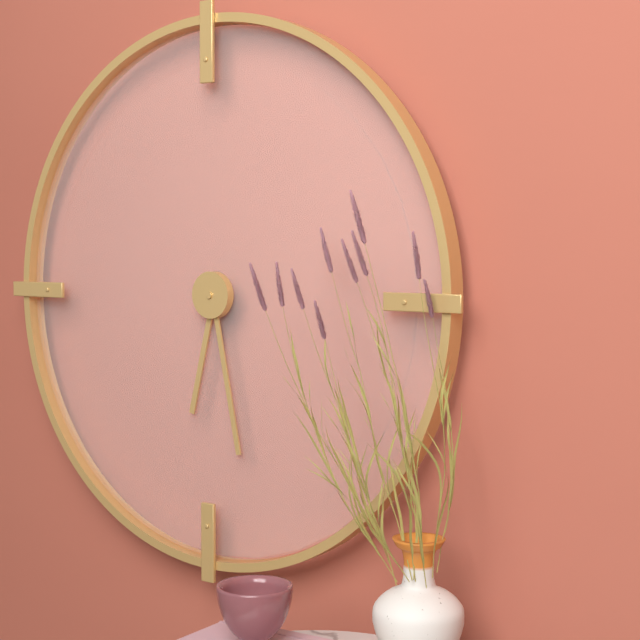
h=6 m=28
